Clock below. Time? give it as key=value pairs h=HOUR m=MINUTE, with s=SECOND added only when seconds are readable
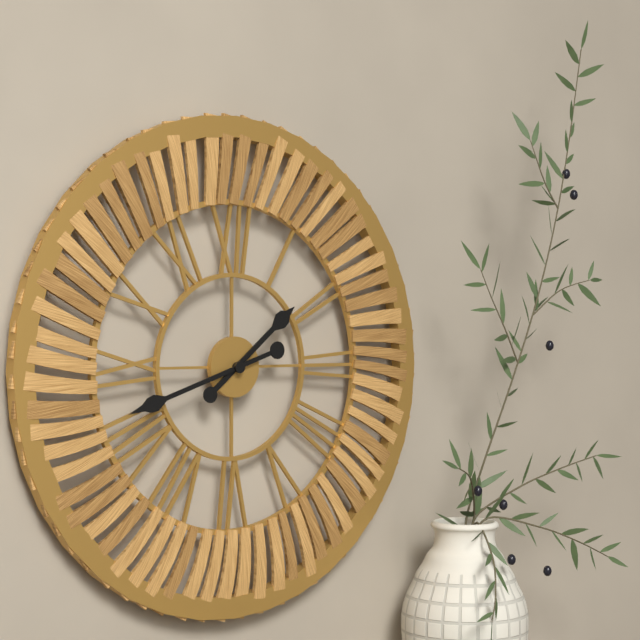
h=1 m=42
